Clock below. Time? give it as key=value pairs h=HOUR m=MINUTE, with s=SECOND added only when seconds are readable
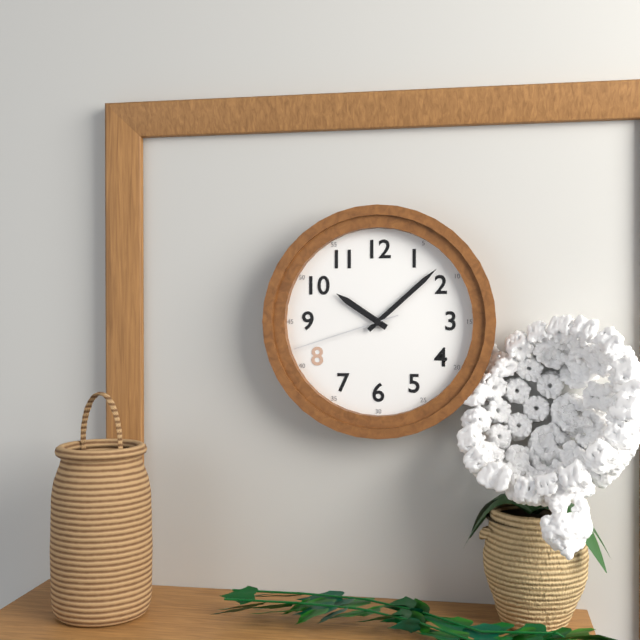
h=10 m=8 s=42
